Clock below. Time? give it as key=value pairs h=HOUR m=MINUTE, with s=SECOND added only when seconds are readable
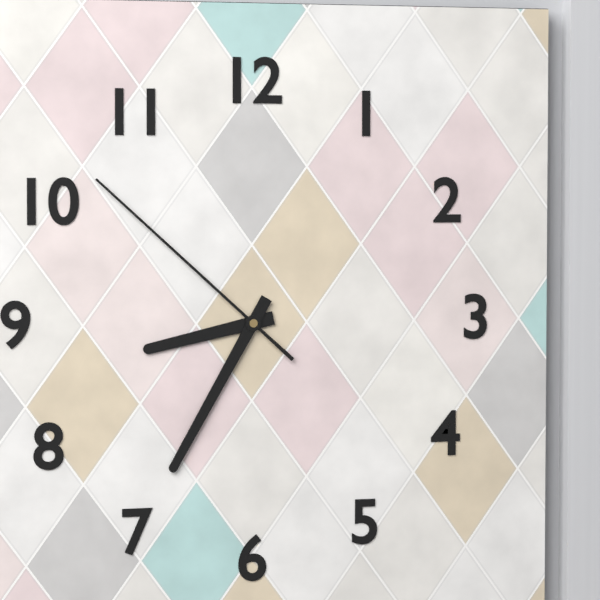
h=8 m=35 s=52
